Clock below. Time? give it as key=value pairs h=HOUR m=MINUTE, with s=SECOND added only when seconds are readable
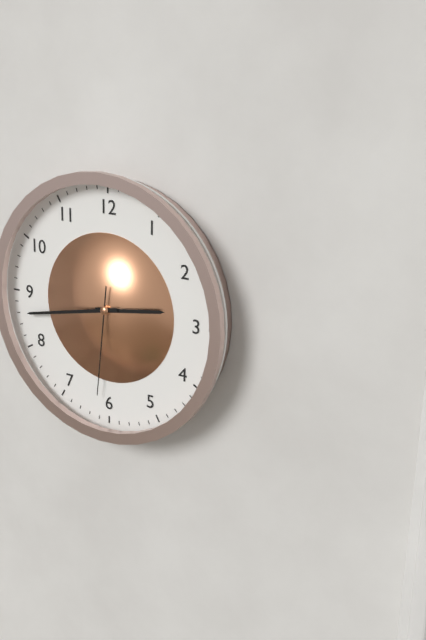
h=2 m=43 s=31
